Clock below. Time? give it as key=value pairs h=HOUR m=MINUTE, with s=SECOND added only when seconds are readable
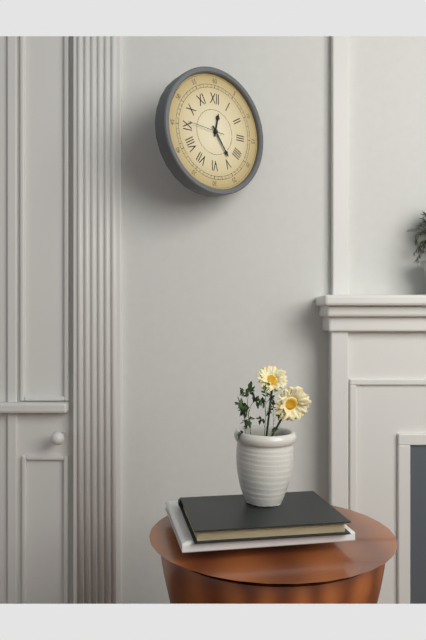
h=12 m=24
